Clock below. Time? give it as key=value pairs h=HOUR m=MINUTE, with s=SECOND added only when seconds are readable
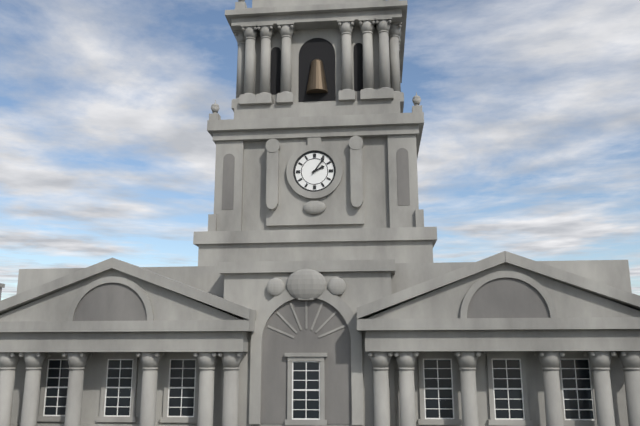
h=2 m=6
